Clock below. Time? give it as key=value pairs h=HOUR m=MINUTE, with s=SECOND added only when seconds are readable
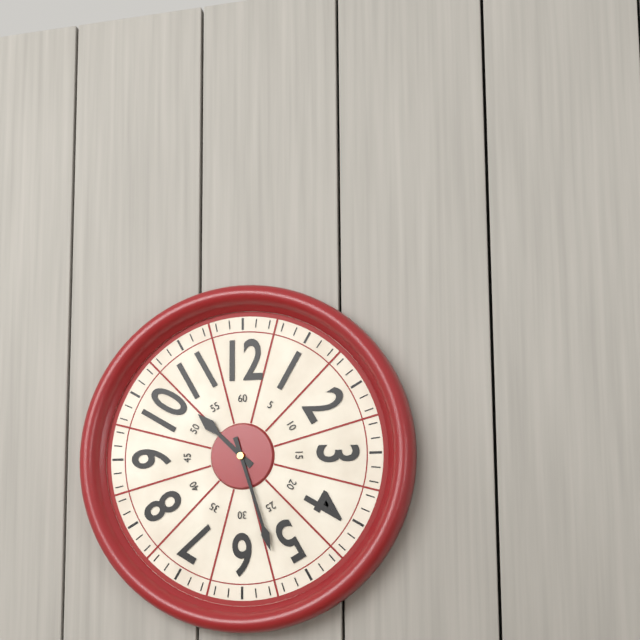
h=10 m=27
